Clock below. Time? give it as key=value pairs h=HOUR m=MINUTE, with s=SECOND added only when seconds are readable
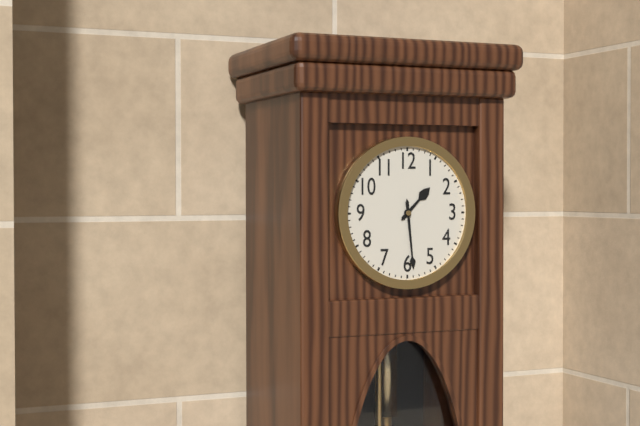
h=1 m=29
